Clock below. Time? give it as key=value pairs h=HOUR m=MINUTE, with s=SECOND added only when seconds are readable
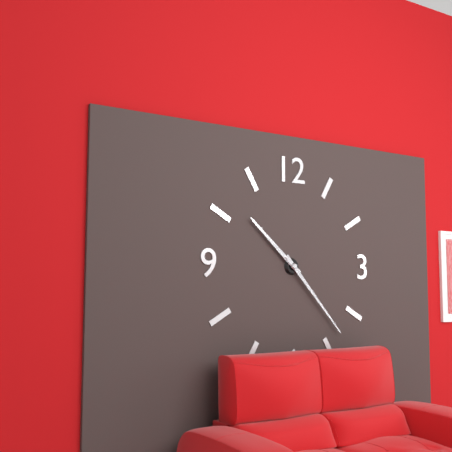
h=10 m=23
